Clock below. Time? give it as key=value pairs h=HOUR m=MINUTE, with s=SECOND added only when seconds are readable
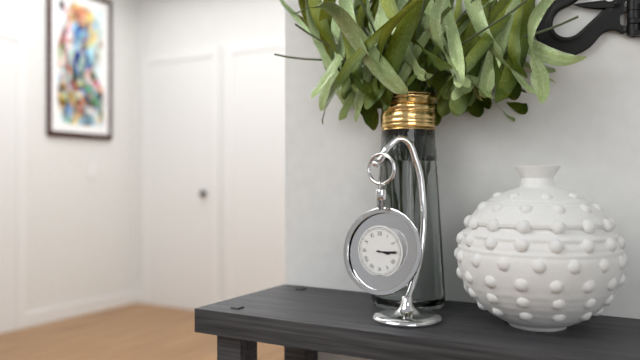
h=3 m=15
